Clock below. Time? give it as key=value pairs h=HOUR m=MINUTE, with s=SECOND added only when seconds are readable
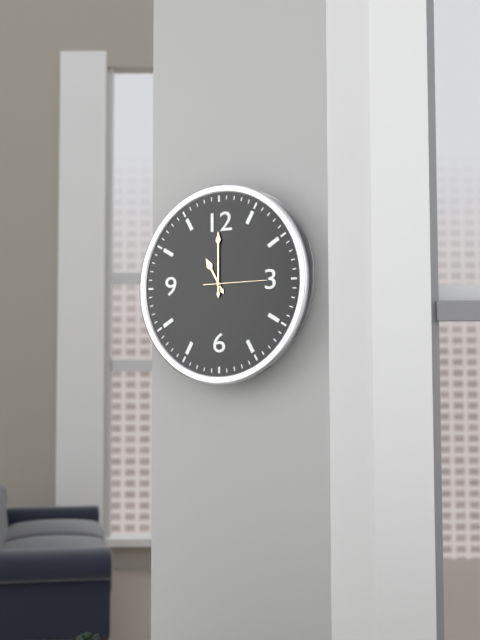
h=11 m=0 s=15
